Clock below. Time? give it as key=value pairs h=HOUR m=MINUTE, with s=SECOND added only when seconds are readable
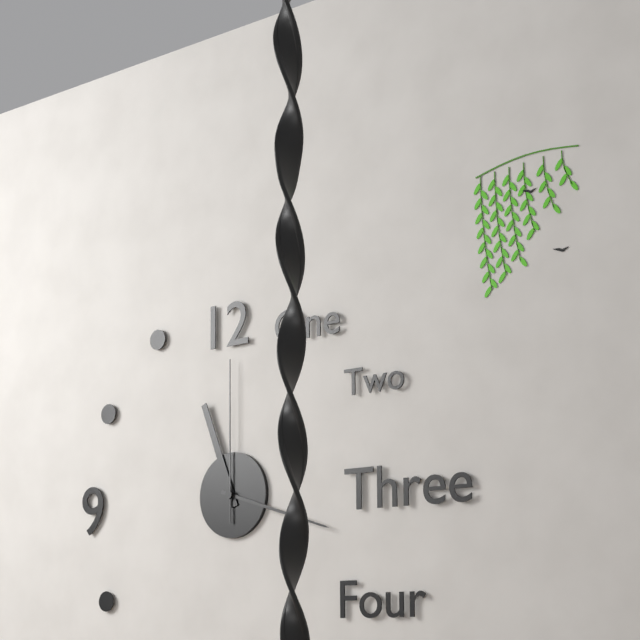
h=11 m=18 s=0
